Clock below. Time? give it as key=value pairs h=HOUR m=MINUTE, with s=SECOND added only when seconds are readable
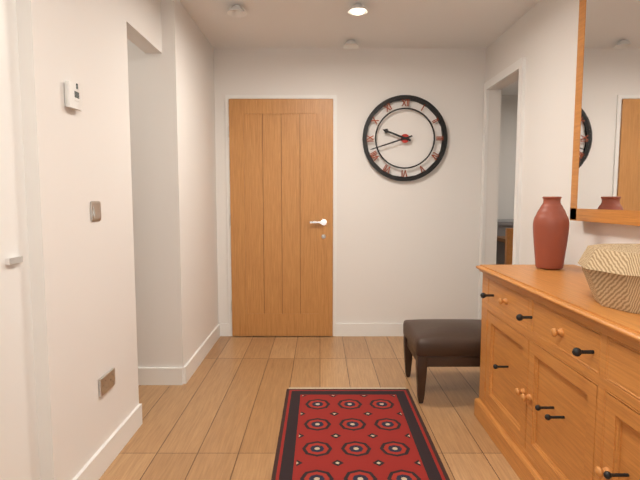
h=9 m=42
